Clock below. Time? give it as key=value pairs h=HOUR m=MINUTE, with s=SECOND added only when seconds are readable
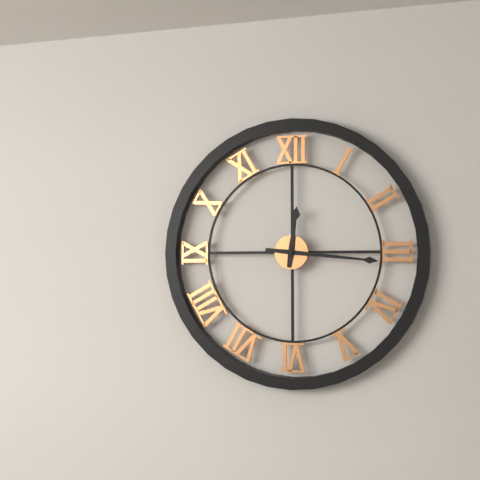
h=12 m=16
